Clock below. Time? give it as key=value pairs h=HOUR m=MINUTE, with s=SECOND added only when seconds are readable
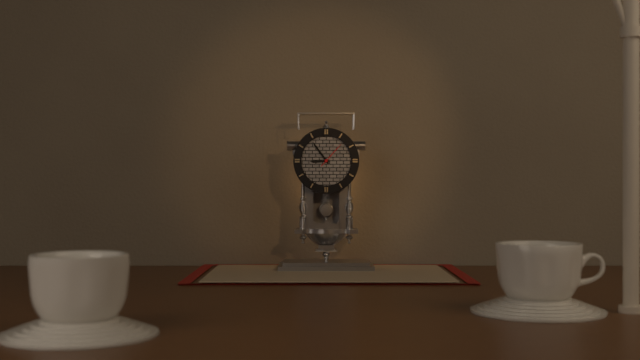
h=8 m=54
